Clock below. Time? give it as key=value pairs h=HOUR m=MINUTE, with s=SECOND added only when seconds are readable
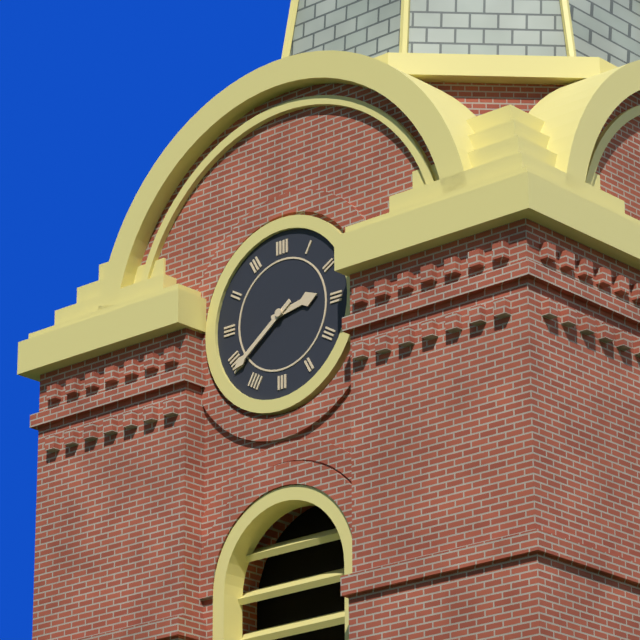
h=2 m=39
